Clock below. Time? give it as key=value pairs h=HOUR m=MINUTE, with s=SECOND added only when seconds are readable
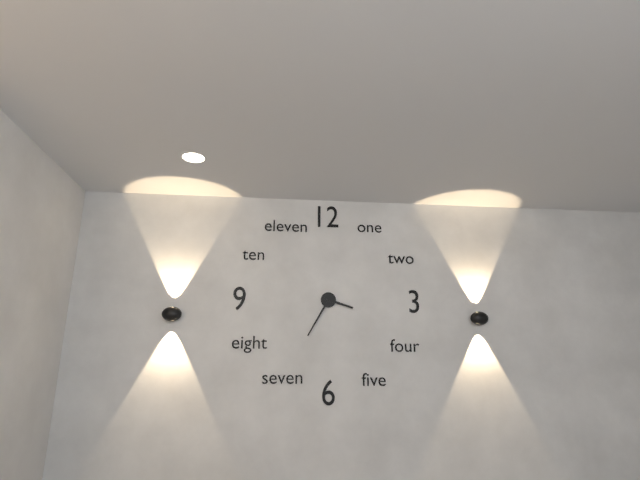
h=3 m=35
